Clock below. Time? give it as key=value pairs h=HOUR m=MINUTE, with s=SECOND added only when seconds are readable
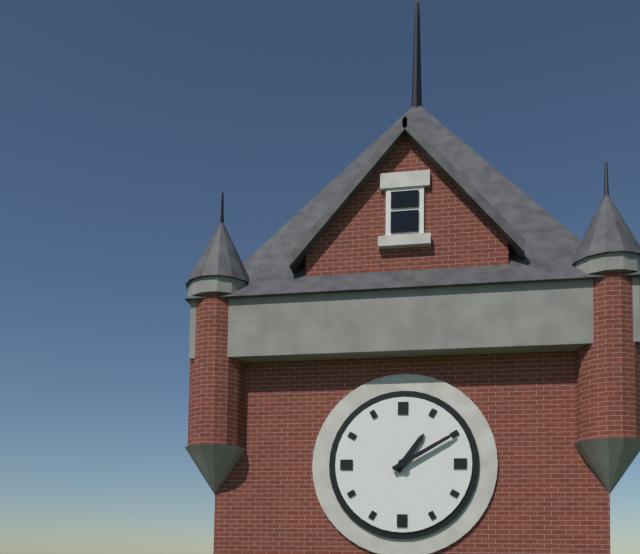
h=1 m=10
